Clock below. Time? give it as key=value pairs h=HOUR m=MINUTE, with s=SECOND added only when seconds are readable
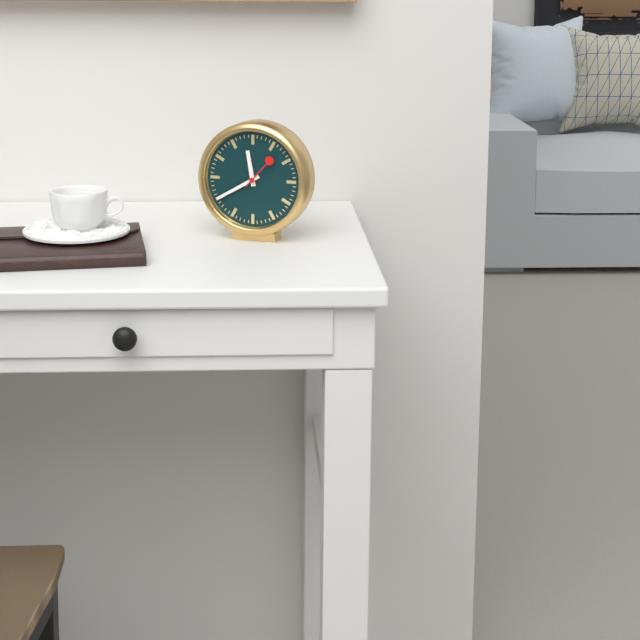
h=11 m=40
